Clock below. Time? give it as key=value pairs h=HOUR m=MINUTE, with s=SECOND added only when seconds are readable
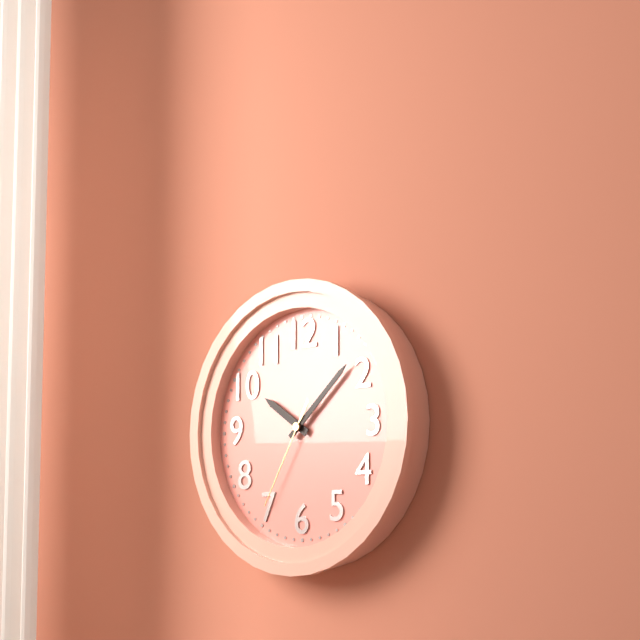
h=10 m=8 s=35
